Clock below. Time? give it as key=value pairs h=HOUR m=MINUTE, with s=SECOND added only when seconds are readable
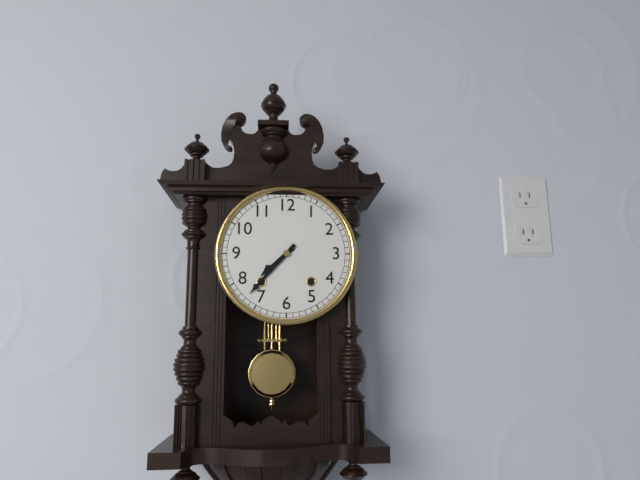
h=7 m=37
